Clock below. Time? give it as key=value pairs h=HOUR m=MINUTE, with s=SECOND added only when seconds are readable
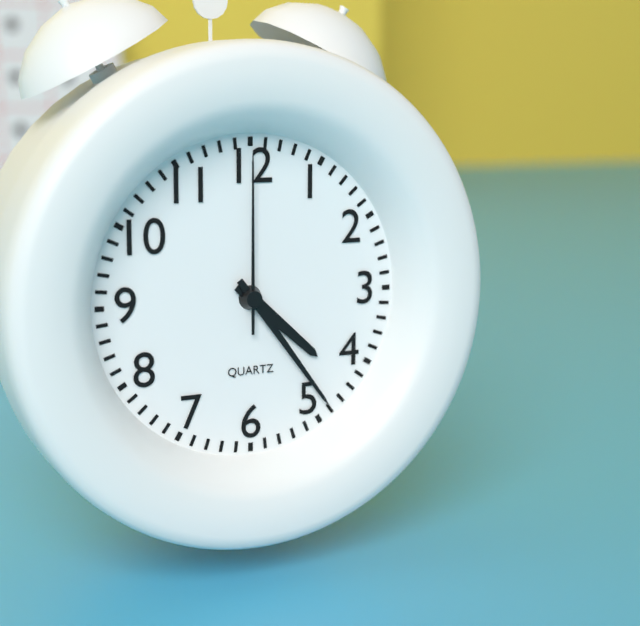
h=4 m=24 s=0
